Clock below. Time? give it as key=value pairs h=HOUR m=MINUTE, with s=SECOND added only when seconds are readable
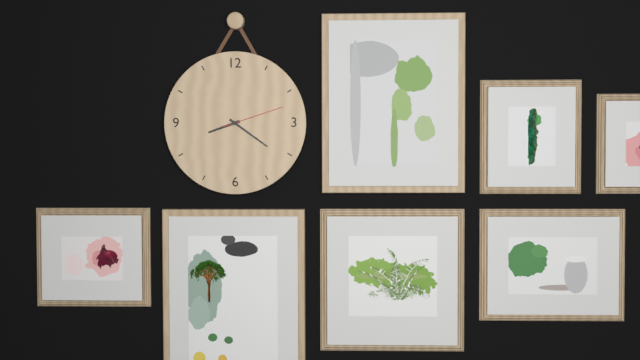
h=8 m=21 s=12
